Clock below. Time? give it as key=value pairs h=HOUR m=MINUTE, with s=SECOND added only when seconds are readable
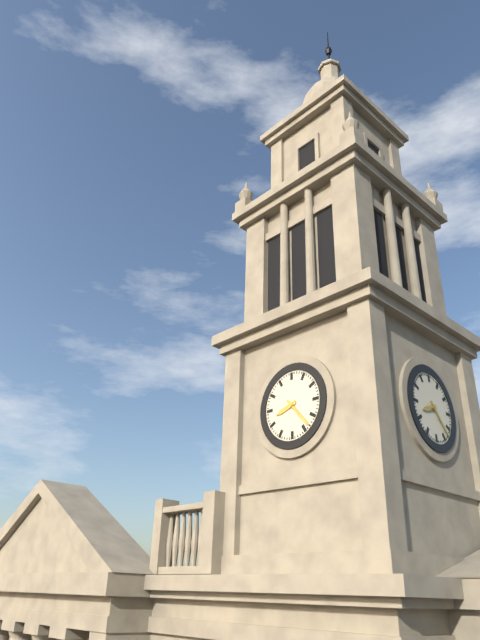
h=8 m=23
